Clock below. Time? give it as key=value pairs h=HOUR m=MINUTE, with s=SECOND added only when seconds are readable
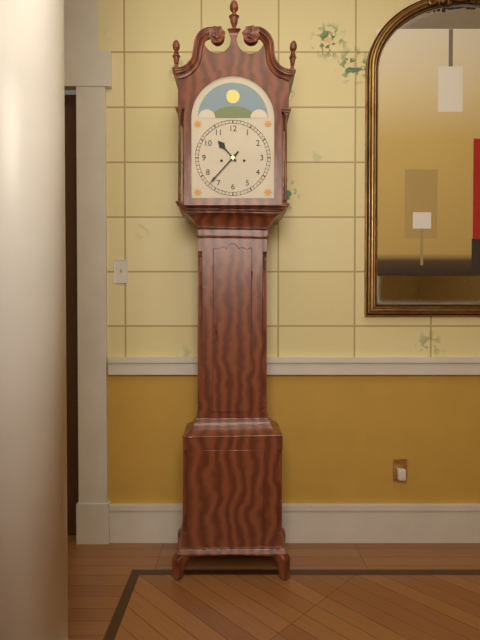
h=10 m=37
